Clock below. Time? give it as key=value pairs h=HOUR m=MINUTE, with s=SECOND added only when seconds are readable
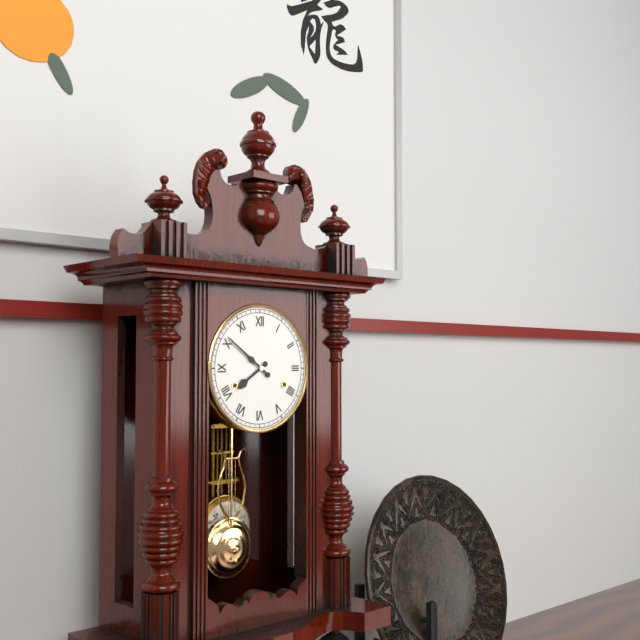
h=7 m=51
